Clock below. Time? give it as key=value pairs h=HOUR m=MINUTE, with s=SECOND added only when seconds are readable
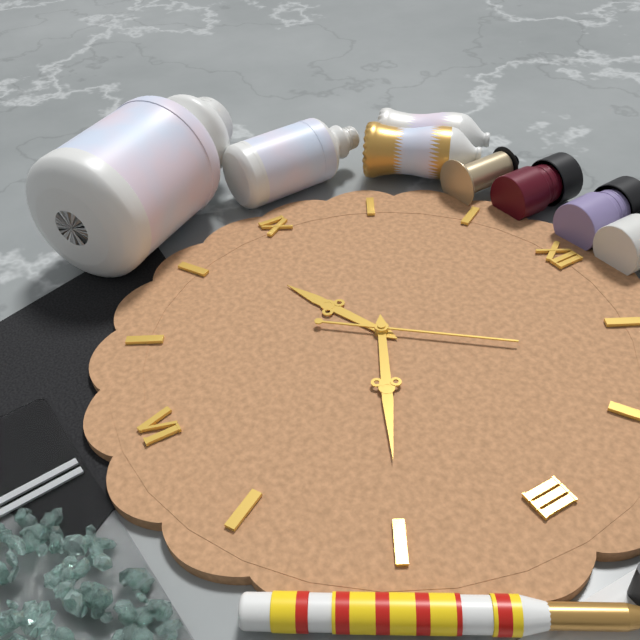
h=8 m=20 s=7
